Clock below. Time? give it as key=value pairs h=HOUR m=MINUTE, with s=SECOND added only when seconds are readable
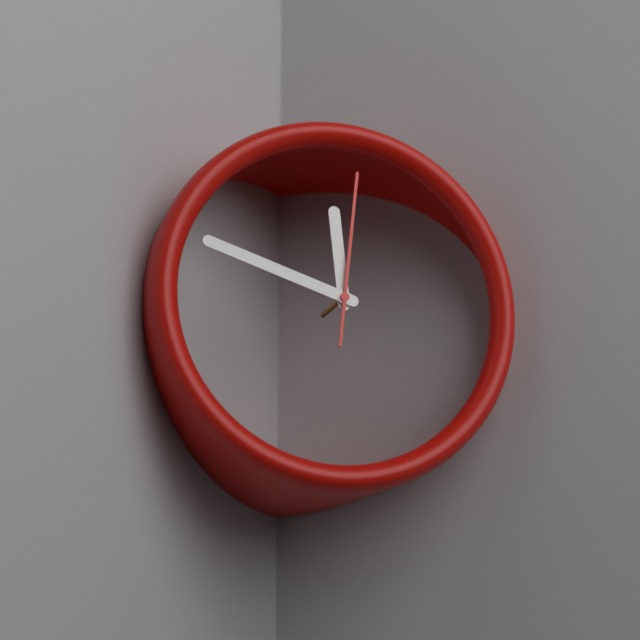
h=11 m=48 s=1
